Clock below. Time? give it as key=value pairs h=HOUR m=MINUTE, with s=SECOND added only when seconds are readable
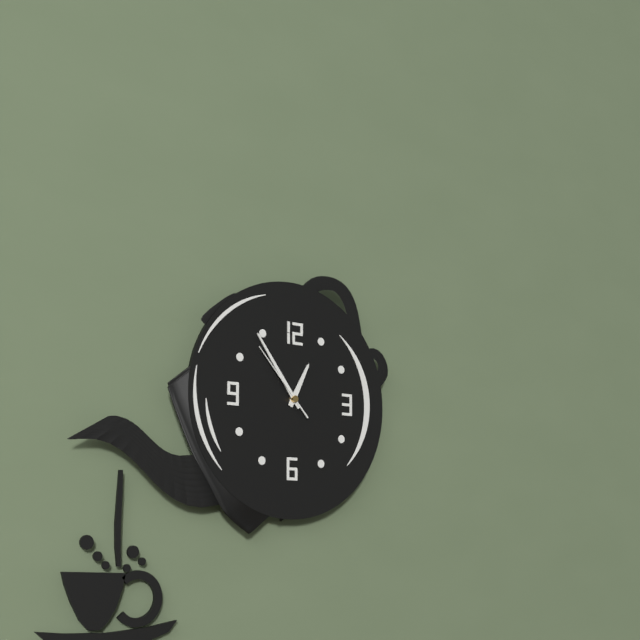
h=12 m=54 s=53
